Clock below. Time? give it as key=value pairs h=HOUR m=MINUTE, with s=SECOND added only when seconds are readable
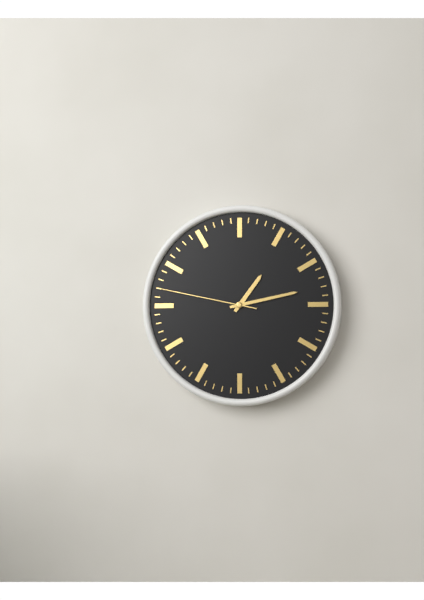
h=1 m=13 s=47
